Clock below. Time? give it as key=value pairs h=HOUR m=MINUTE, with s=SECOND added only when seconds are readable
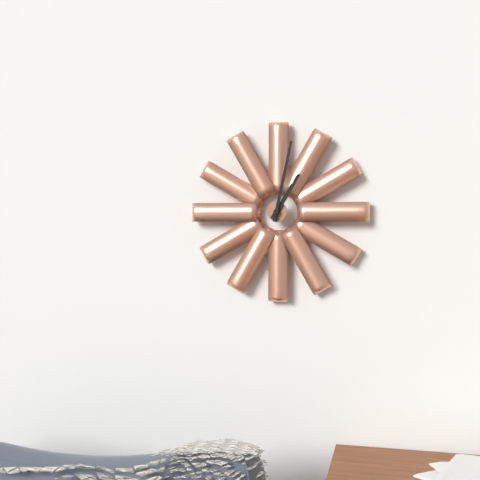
h=1 m=2
